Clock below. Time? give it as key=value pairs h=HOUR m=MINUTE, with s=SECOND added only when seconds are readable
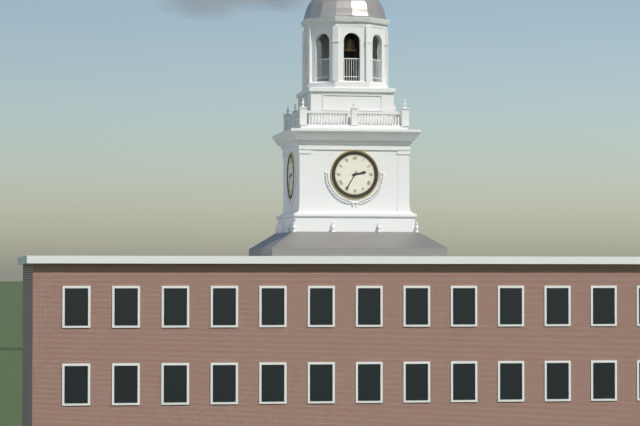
h=2 m=35
